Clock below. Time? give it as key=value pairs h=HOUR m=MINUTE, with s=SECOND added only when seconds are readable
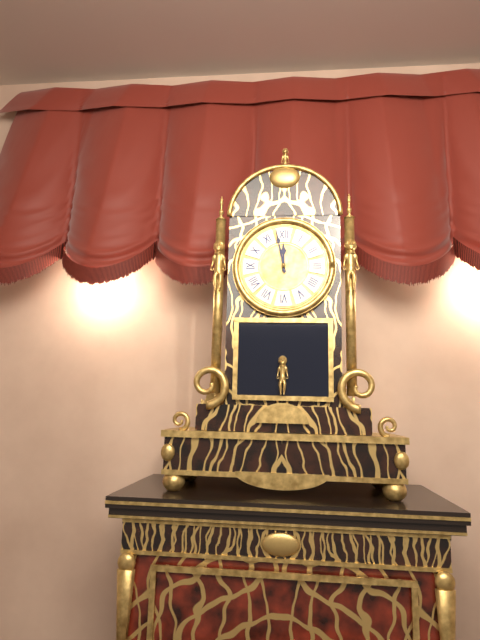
h=11 m=58
